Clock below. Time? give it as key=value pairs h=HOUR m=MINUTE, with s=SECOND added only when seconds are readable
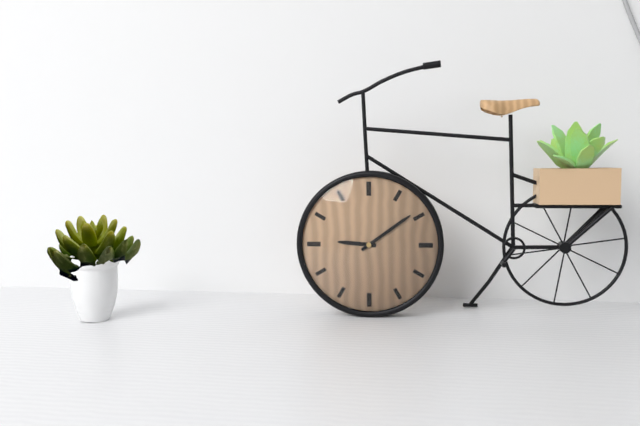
h=9 m=9
